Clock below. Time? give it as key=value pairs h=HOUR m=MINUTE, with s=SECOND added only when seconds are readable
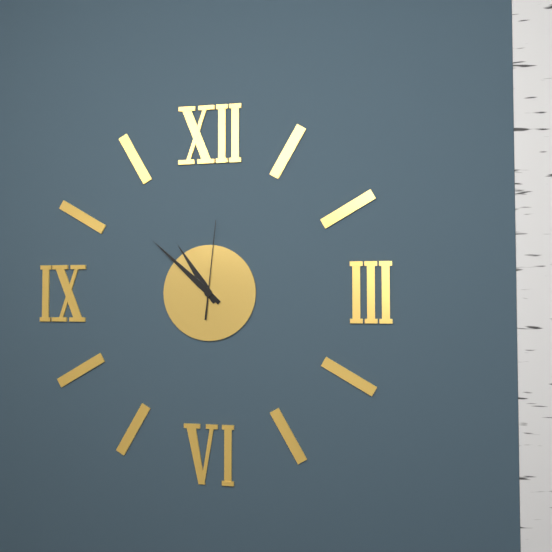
h=10 m=52 s=1
